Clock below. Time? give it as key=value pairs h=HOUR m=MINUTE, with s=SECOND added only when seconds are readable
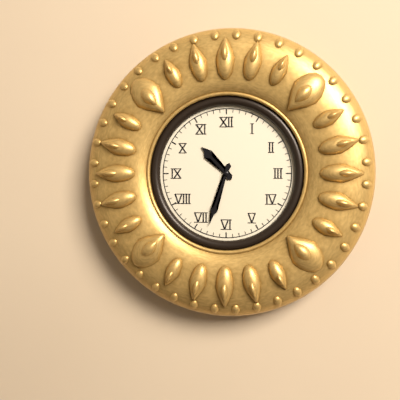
h=10 m=33
